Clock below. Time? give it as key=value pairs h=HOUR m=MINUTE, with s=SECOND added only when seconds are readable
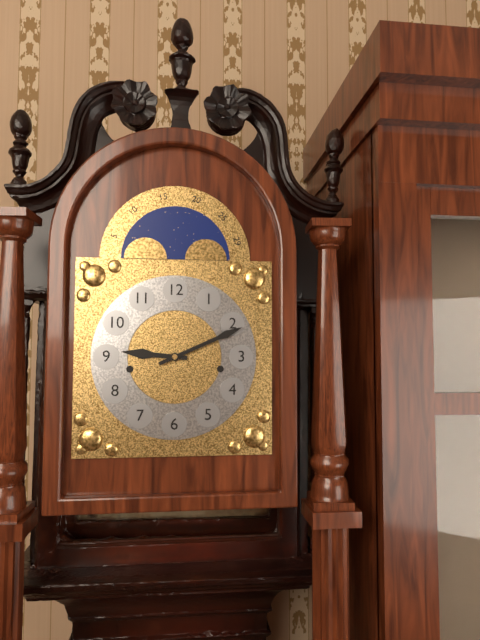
h=9 m=11
